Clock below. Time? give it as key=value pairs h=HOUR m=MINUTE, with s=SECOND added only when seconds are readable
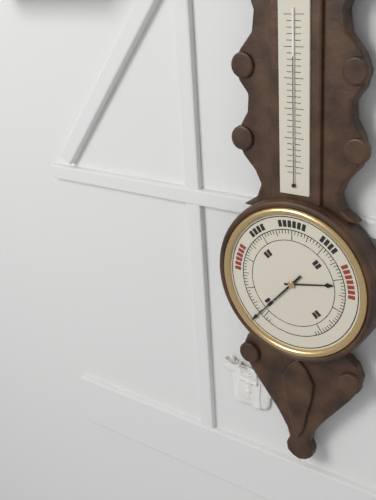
h=2 m=37
